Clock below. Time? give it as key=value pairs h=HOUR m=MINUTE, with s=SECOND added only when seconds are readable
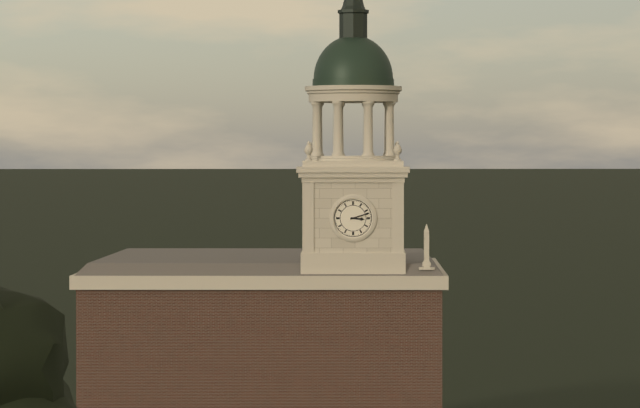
h=3 m=12
